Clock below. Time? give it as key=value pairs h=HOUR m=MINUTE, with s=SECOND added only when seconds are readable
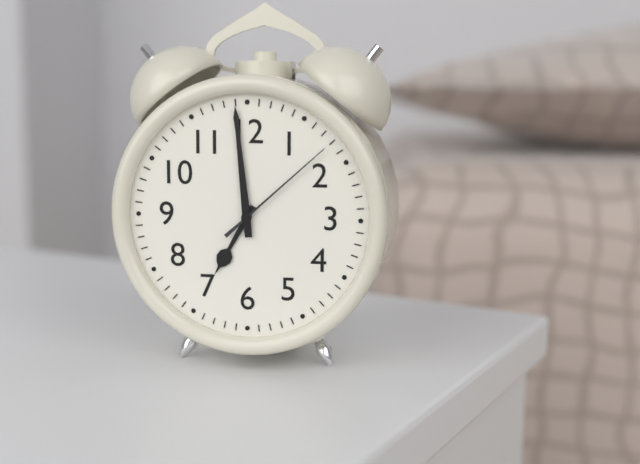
h=6 m=59 s=8
